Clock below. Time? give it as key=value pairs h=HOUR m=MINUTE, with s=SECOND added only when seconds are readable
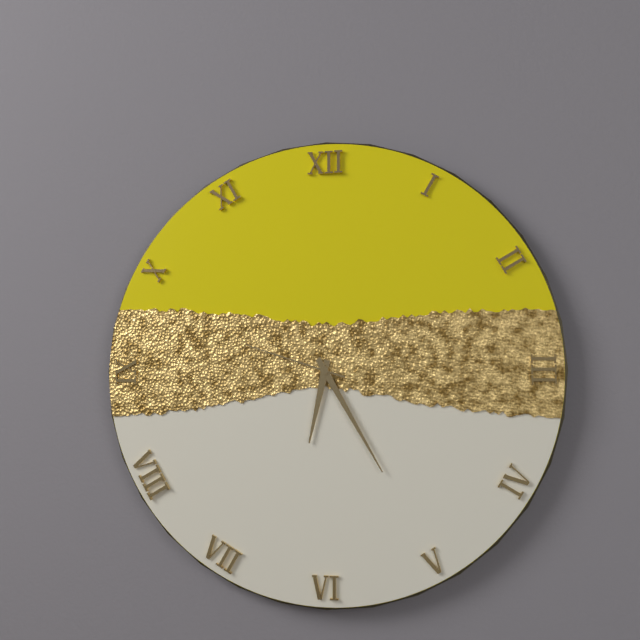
h=6 m=25 s=48
